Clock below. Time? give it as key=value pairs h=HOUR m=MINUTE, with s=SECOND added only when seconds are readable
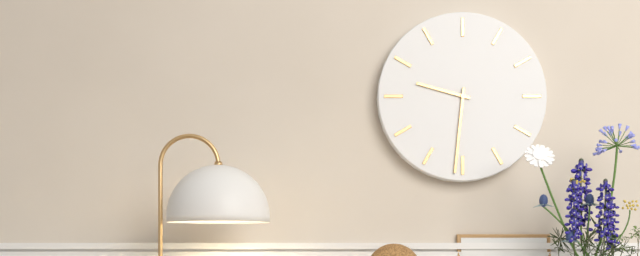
h=9 m=31
